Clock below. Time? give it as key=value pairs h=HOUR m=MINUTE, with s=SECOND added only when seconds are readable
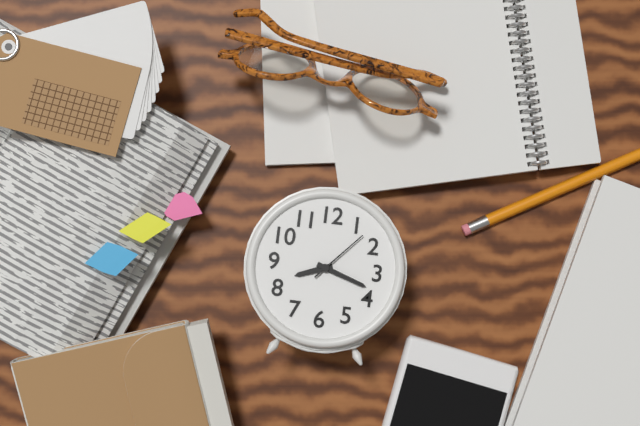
h=8 m=18 s=7
